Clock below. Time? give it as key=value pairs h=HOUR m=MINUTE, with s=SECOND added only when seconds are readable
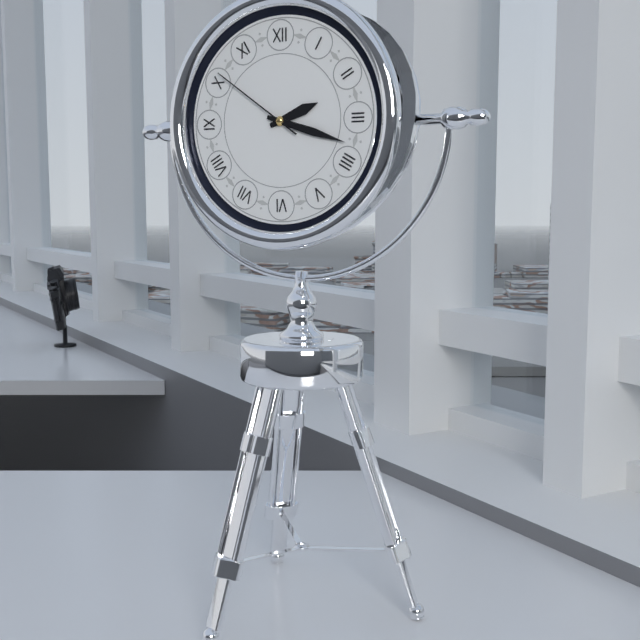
h=2 m=18 s=51
